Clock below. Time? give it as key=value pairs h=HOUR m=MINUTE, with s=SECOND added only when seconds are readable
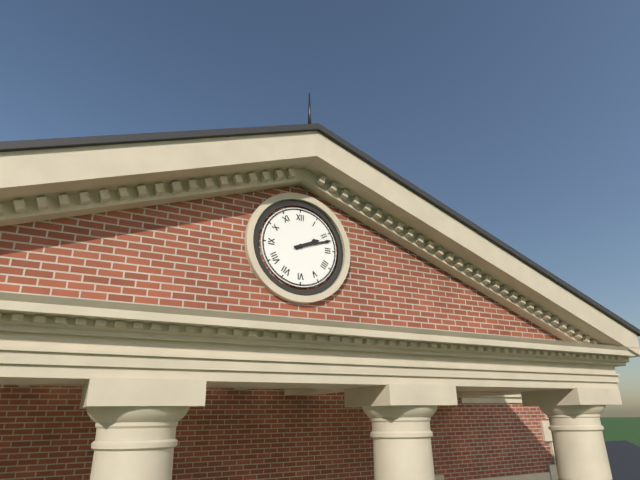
h=2 m=12
